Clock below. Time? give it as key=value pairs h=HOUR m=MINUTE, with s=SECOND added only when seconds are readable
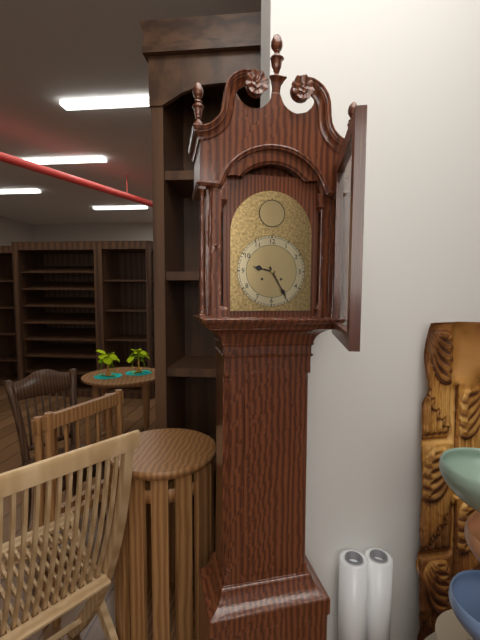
h=9 m=25
